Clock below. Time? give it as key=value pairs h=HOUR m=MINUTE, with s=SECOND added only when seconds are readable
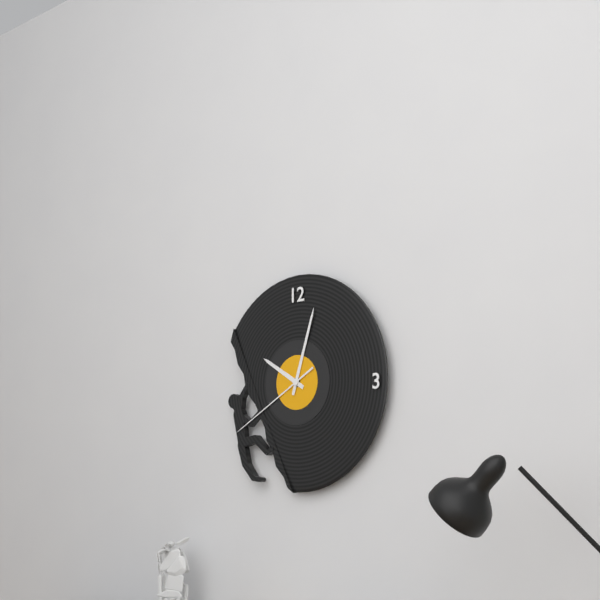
h=10 m=3 s=40
